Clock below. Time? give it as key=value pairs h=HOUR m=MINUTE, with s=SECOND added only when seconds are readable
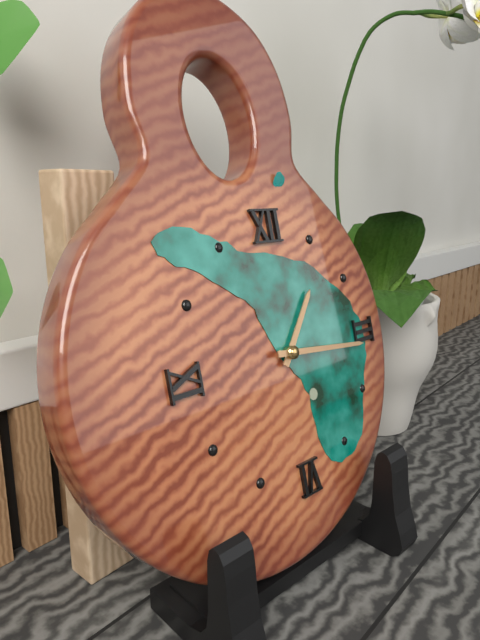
h=1 m=16
